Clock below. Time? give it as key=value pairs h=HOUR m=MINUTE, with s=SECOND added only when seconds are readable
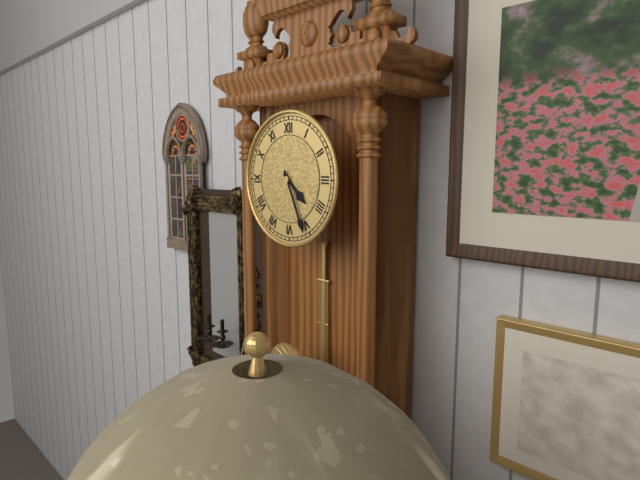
h=4 m=26
